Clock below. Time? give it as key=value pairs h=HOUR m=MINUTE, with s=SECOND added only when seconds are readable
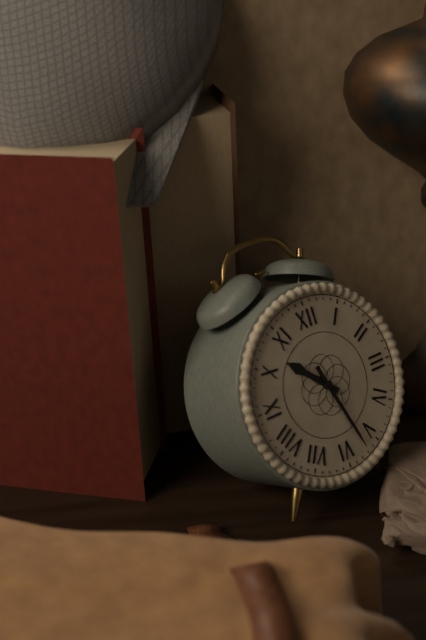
h=10 m=27
